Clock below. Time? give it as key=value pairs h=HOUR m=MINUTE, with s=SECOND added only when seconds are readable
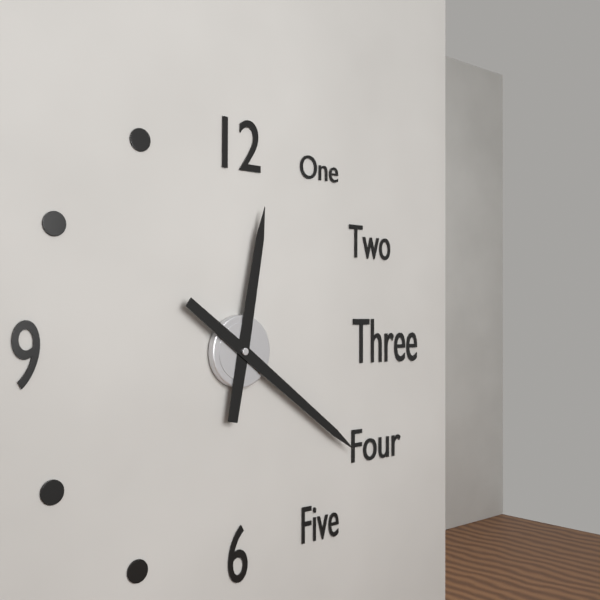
h=12 m=21
